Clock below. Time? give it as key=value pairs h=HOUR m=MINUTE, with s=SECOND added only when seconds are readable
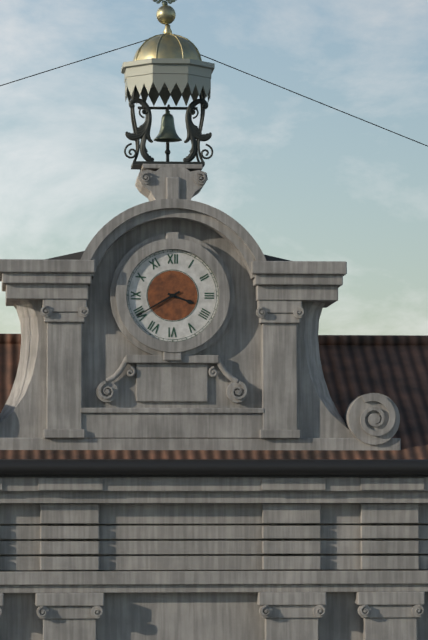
h=3 m=40
